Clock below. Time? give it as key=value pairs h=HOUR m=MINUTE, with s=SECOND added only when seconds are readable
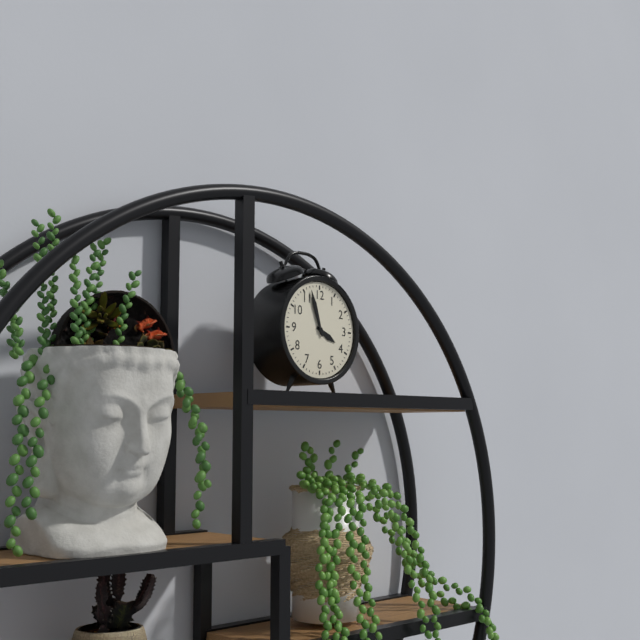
h=3 m=57
